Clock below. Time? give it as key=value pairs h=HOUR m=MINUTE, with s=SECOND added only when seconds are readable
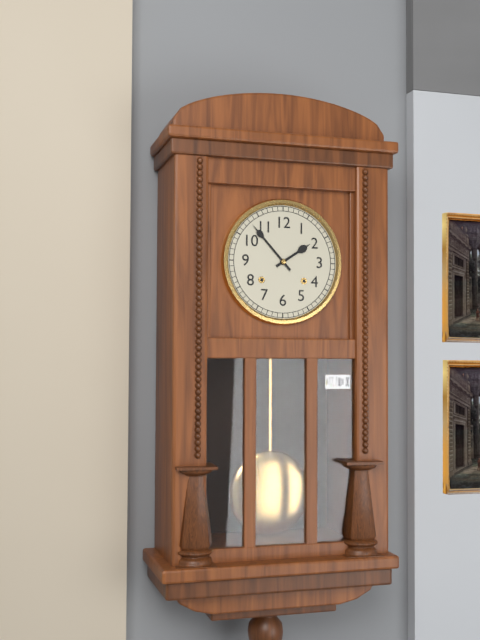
h=1 m=53
